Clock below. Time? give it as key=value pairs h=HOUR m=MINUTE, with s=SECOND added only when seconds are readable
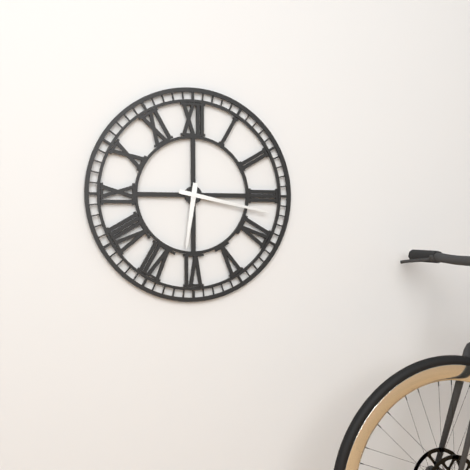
h=6 m=17
